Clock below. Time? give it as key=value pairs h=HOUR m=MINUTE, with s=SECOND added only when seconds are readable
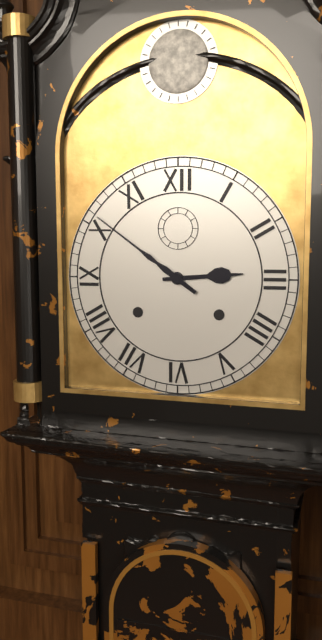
h=2 m=51
